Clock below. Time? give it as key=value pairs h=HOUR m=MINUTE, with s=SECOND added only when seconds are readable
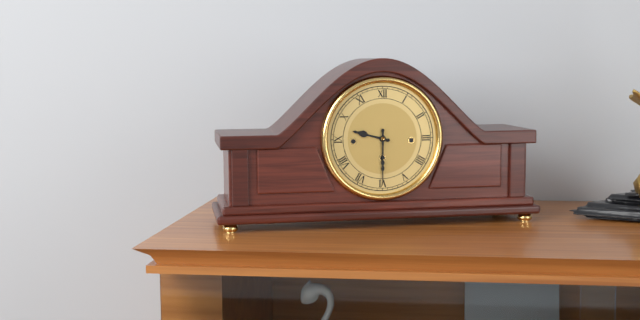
h=9 m=30
